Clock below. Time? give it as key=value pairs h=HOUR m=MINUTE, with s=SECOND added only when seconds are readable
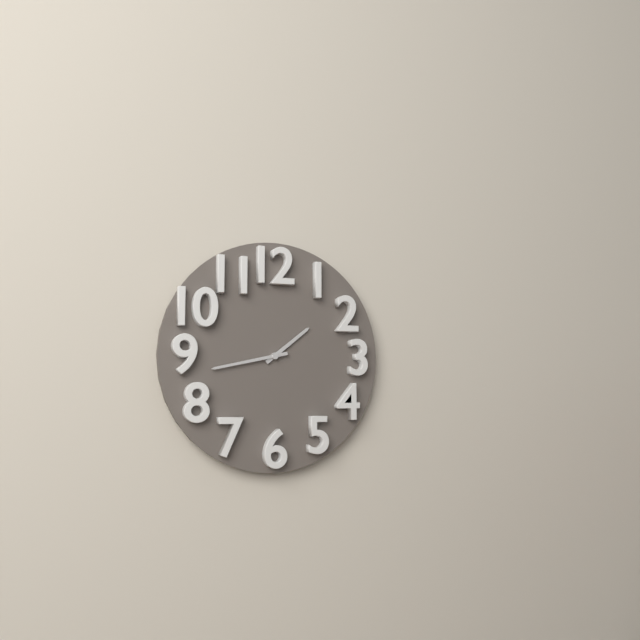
h=1 m=43
